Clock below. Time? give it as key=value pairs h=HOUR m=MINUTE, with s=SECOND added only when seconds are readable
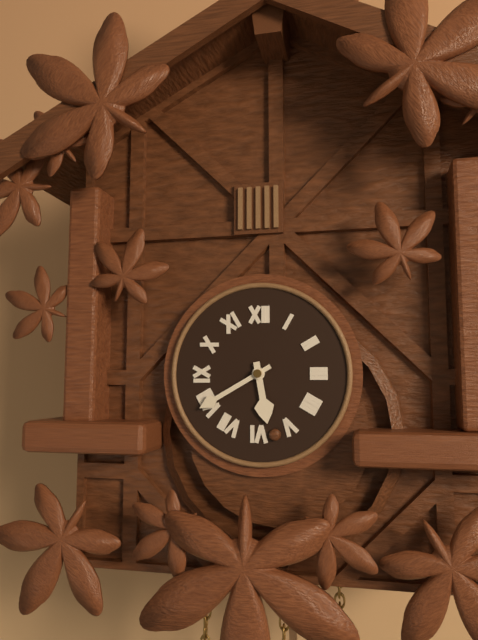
h=5 m=40
